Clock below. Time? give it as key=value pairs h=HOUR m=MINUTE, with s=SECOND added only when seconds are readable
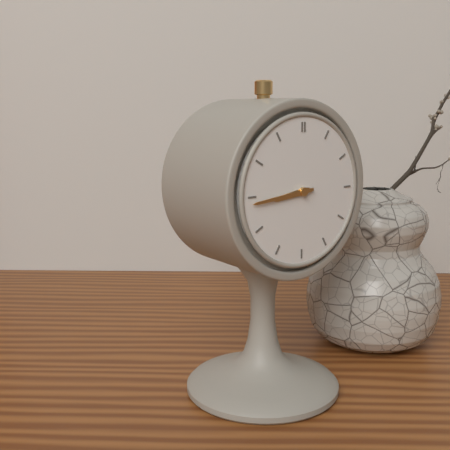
h=8 m=44
